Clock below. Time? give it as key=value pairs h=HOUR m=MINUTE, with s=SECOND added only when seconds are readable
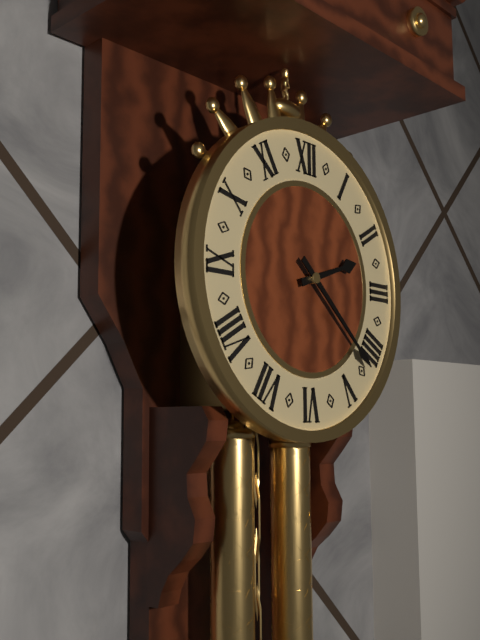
h=2 m=22
